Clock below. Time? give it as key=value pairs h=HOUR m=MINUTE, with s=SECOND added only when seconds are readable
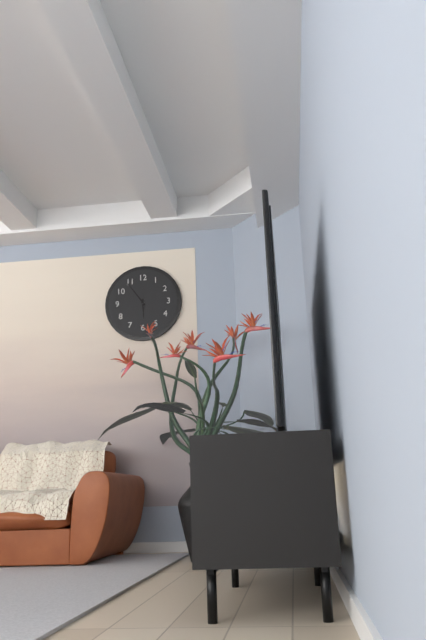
h=5 m=54
